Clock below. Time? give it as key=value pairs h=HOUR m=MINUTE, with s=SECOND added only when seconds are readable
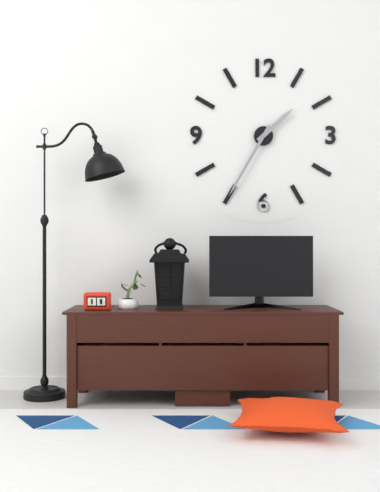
h=1 m=35
